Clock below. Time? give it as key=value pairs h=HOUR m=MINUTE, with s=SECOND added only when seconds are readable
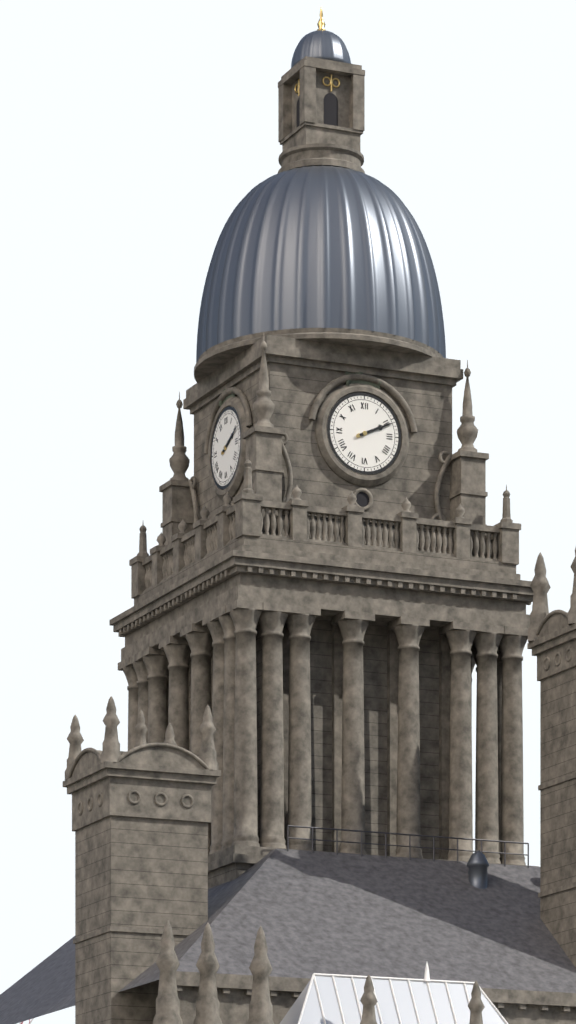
h=2 m=11
